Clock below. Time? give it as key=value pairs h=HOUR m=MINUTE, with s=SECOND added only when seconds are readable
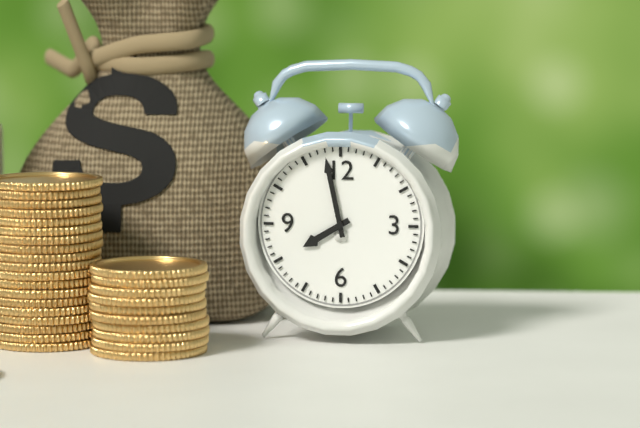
h=7 m=58
